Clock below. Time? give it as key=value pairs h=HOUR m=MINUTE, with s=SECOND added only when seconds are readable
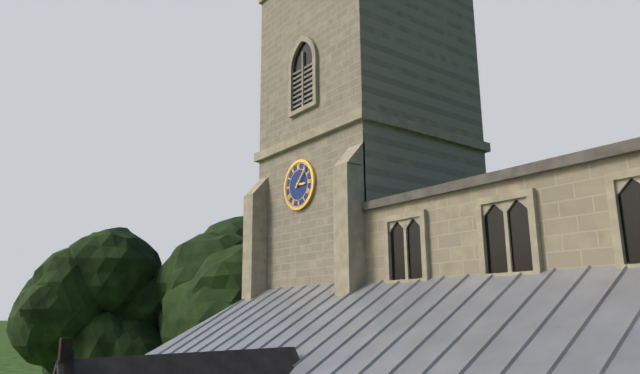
h=3 m=7
